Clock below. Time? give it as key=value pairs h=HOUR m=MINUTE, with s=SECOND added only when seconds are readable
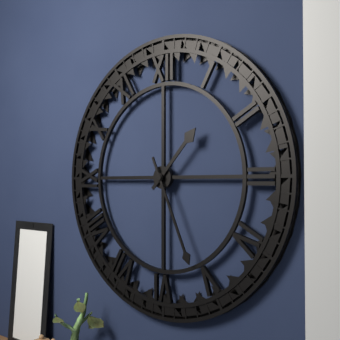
h=1 m=26
